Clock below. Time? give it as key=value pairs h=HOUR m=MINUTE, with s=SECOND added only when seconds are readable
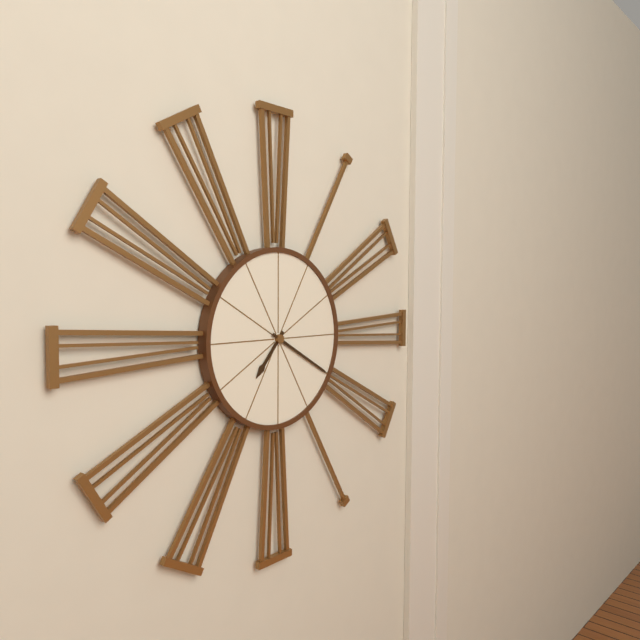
h=7 m=20
